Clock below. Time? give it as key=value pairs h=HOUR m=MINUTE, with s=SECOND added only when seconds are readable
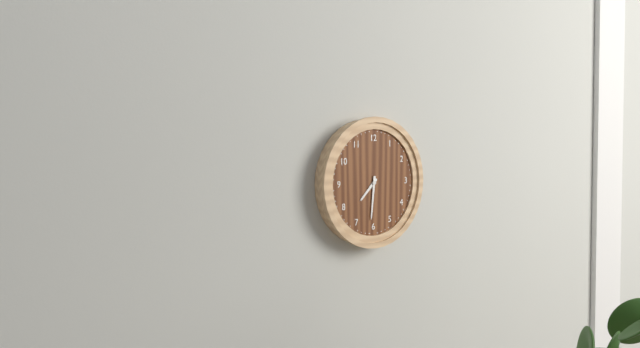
h=7 m=31
